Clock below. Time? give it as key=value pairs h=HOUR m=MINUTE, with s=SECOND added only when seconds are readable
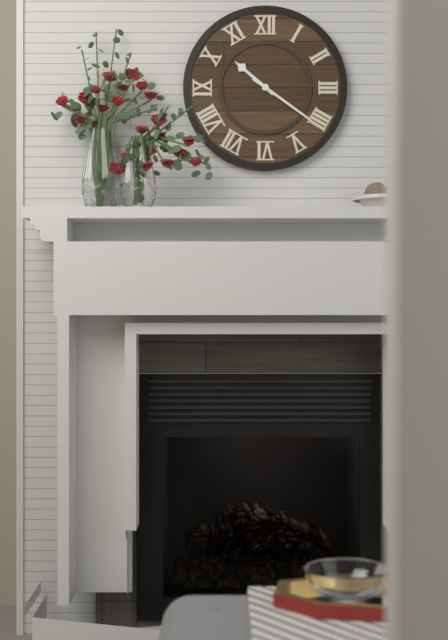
h=10 m=21
